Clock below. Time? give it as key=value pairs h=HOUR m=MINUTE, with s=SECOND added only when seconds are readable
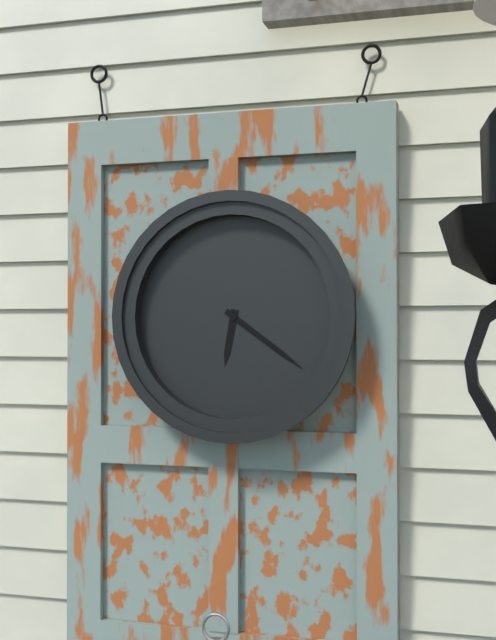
h=6 m=21
